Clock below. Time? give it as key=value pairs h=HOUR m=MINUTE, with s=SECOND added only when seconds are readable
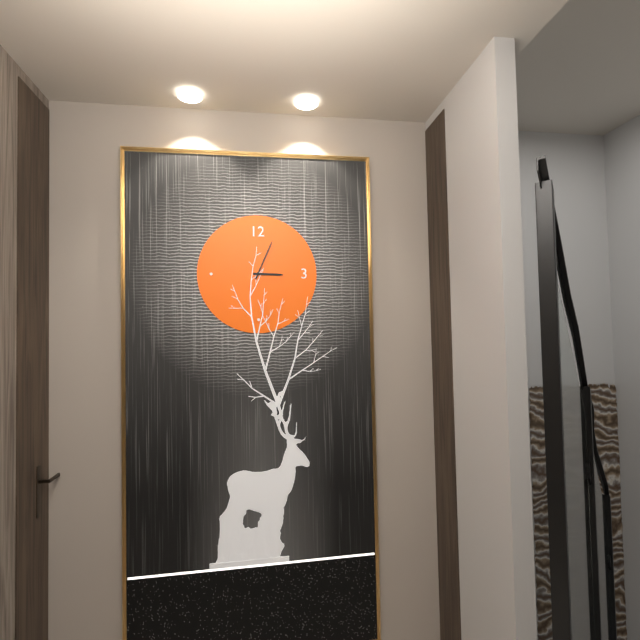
h=3 m=4
